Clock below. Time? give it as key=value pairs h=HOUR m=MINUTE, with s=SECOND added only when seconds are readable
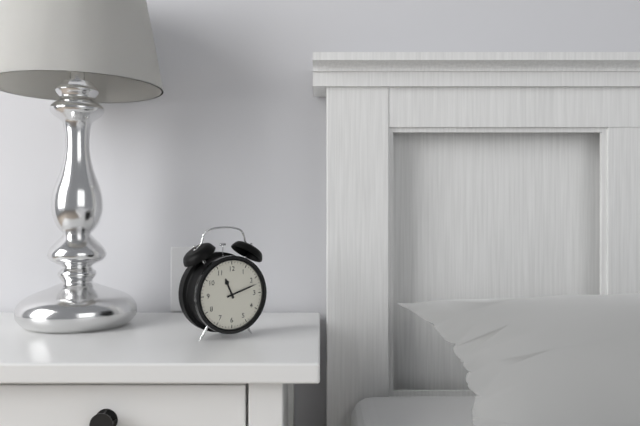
h=11 m=12
